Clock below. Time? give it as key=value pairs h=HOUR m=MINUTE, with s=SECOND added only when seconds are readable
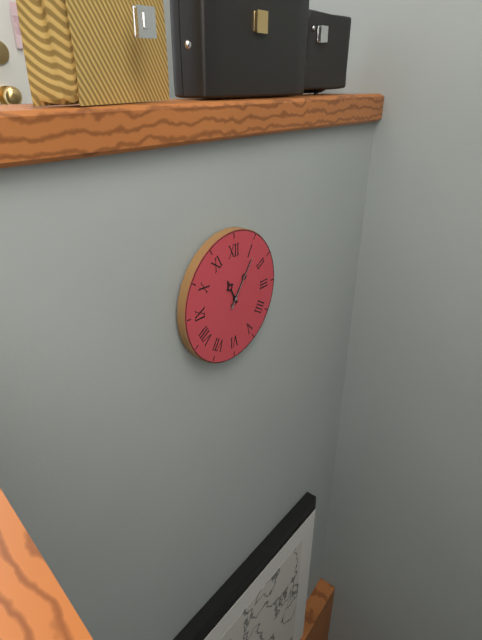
h=11 m=6 s=6
